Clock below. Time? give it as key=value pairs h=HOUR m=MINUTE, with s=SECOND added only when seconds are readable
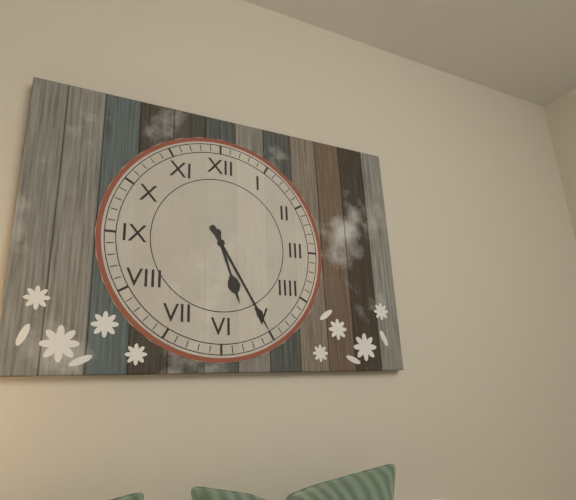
h=5 m=25
